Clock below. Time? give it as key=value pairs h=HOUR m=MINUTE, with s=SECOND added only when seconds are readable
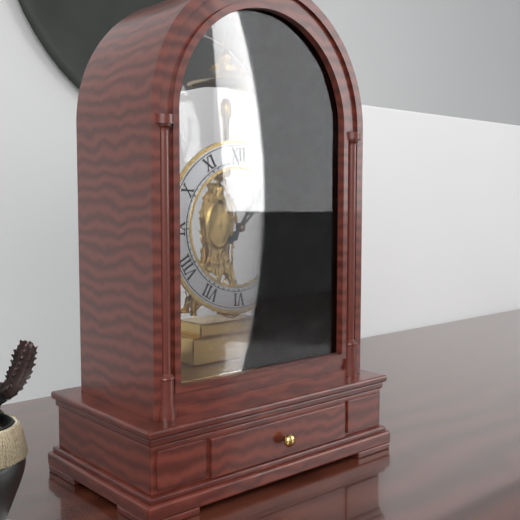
h=1 m=8
